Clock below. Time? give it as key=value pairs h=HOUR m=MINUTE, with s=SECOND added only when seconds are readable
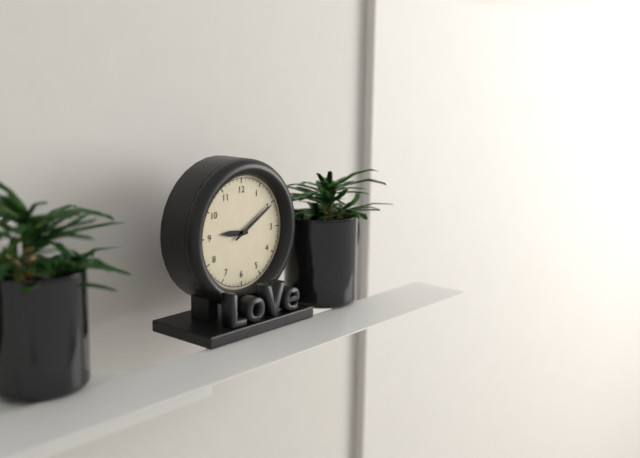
h=9 m=10
